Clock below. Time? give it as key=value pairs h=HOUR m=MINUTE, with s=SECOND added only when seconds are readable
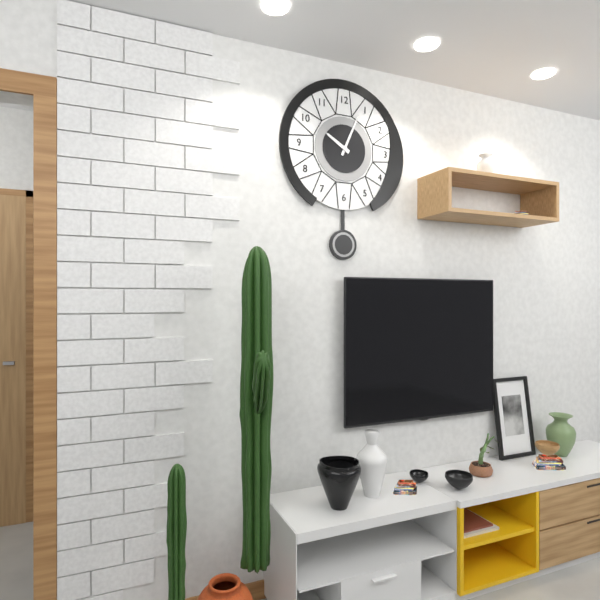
h=10 m=4
